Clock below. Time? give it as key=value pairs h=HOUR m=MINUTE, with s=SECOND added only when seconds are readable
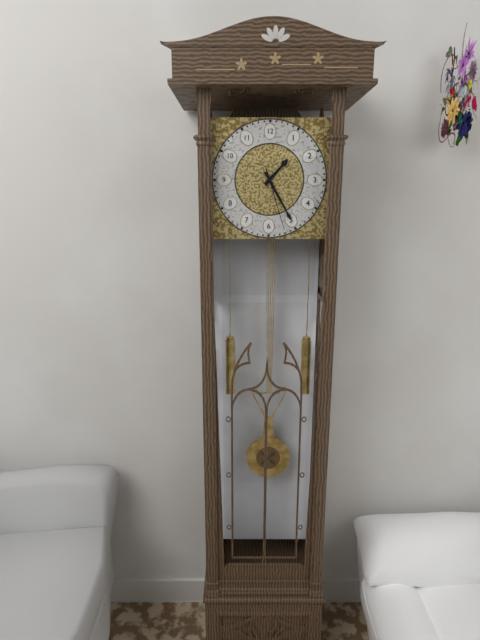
h=1 m=25 s=27
